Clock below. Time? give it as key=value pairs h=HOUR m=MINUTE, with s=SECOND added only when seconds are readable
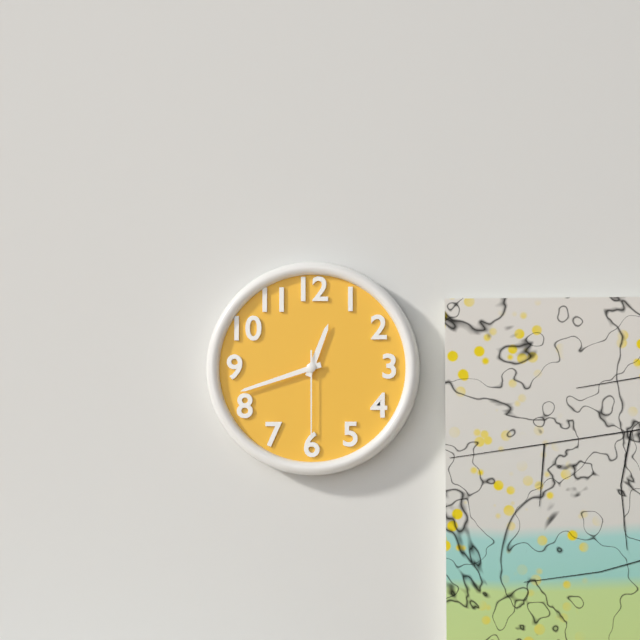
h=12 m=42 s=30
